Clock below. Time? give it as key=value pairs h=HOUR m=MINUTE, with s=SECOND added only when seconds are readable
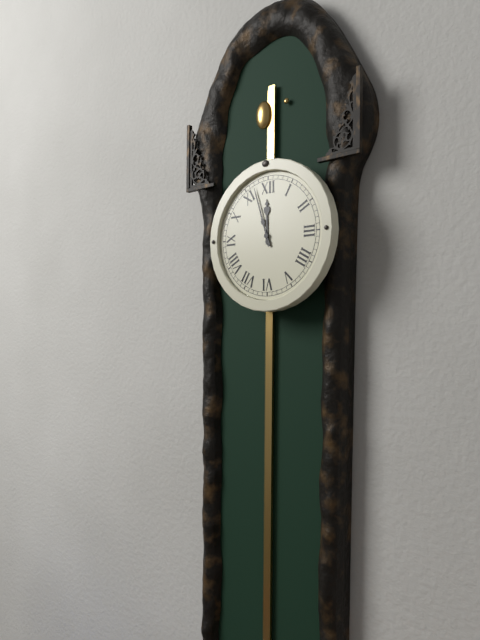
h=11 m=57
